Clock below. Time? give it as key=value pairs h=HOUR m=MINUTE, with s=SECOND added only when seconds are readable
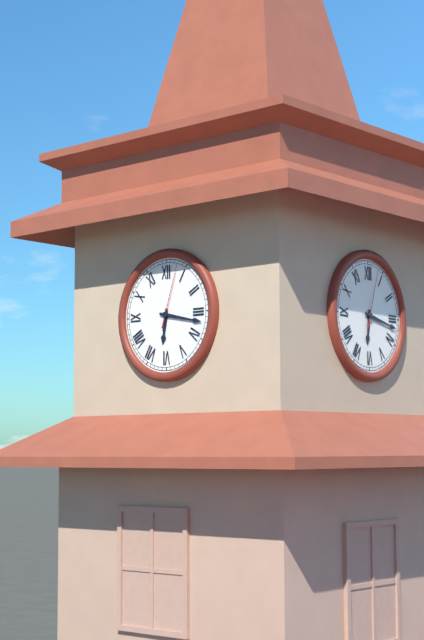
h=6 m=17 s=3
